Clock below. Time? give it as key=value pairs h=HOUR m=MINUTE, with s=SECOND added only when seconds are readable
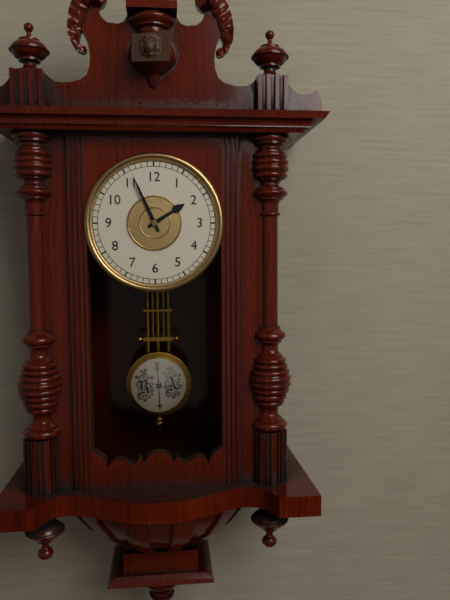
h=1 m=56
